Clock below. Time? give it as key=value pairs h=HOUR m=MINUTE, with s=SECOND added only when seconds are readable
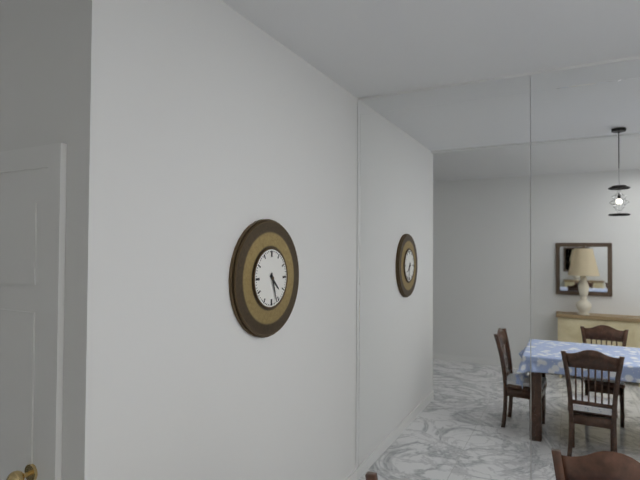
h=4 m=27
